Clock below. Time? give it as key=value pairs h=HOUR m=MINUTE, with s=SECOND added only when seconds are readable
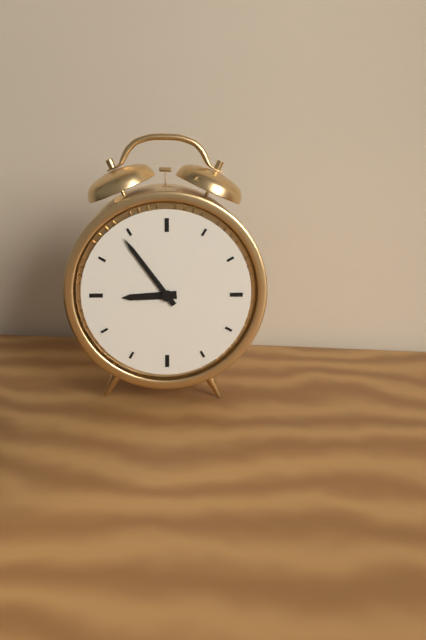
h=8 m=54
